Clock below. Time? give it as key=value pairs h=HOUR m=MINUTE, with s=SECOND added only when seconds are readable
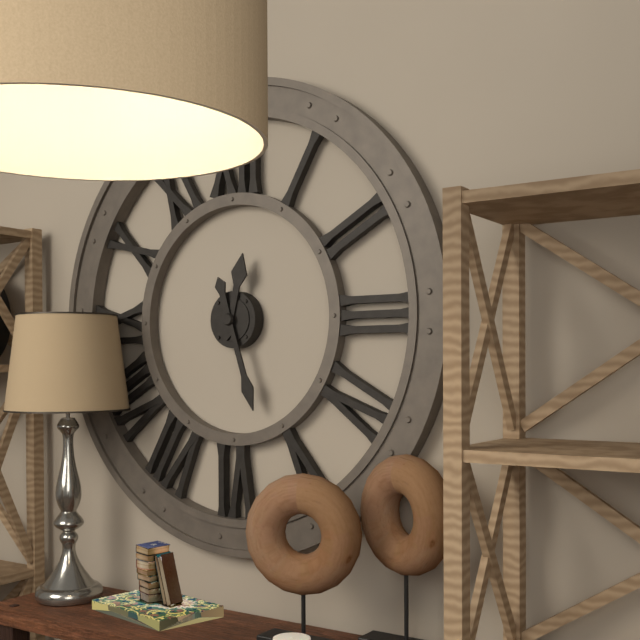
h=12 m=27
